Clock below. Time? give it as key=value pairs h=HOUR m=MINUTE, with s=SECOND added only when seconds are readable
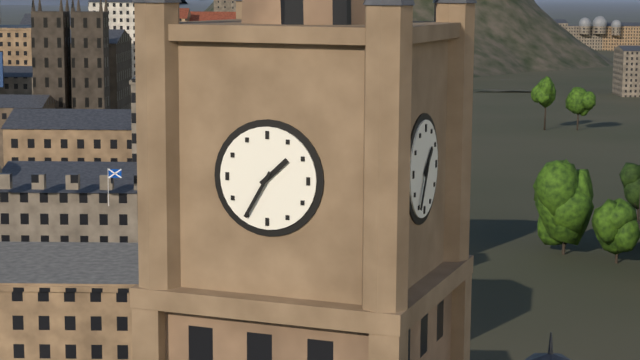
h=1 m=35
